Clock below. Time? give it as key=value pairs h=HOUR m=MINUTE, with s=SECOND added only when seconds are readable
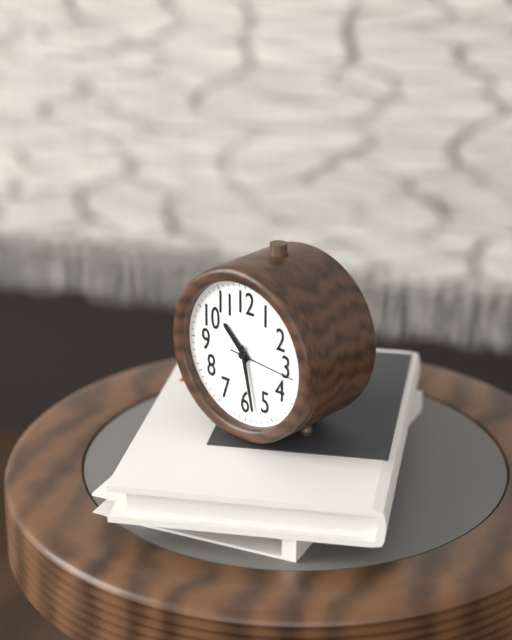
h=10 m=28 s=16
